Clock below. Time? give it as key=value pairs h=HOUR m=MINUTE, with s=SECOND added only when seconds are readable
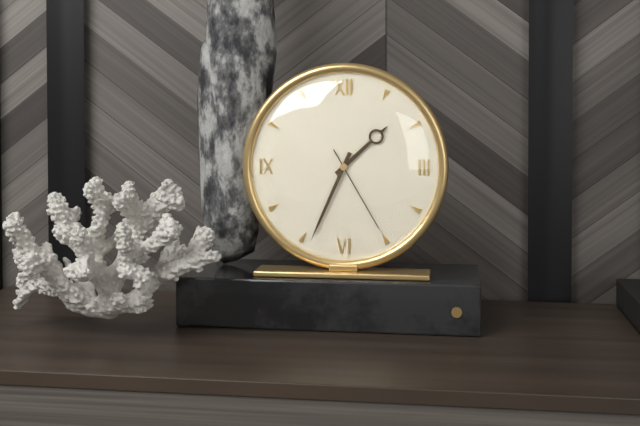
h=1 m=34 s=25
